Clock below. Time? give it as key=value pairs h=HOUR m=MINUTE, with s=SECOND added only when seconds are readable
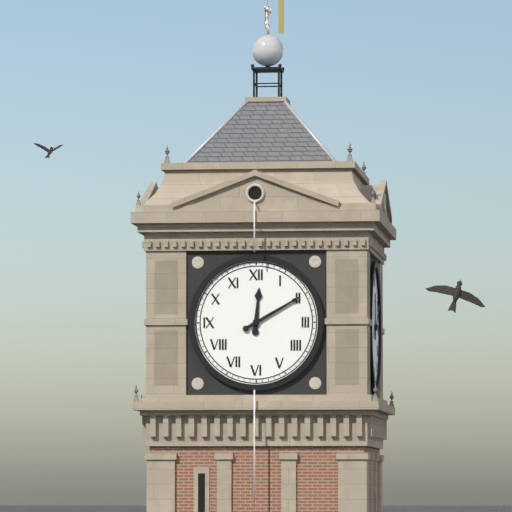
h=12 m=10
